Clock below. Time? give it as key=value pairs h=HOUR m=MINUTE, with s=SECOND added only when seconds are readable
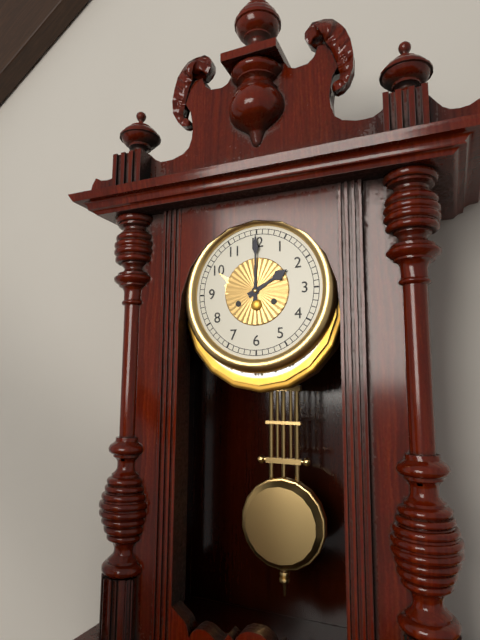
h=2 m=0
